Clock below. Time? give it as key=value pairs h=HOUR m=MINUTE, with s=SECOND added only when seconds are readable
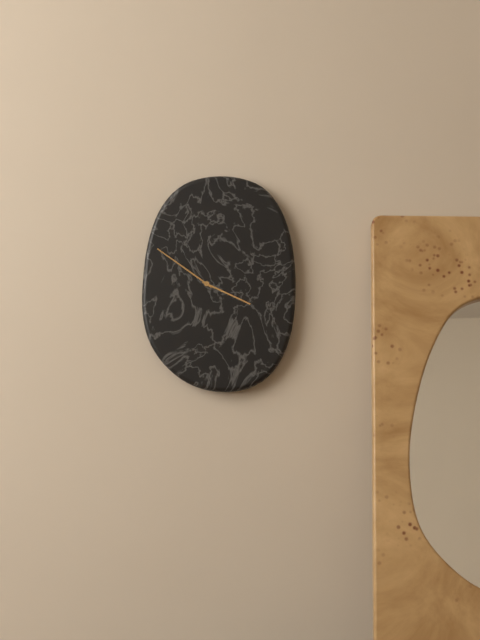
h=3 m=51
